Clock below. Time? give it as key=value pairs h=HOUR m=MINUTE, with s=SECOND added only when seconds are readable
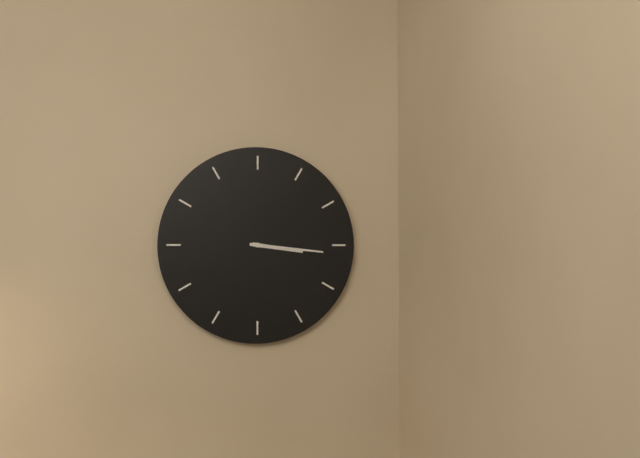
h=3 m=16
